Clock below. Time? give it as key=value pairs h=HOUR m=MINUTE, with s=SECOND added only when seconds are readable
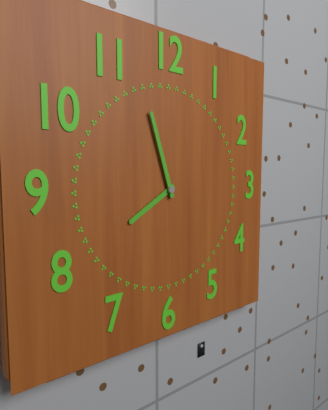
h=7 m=57
